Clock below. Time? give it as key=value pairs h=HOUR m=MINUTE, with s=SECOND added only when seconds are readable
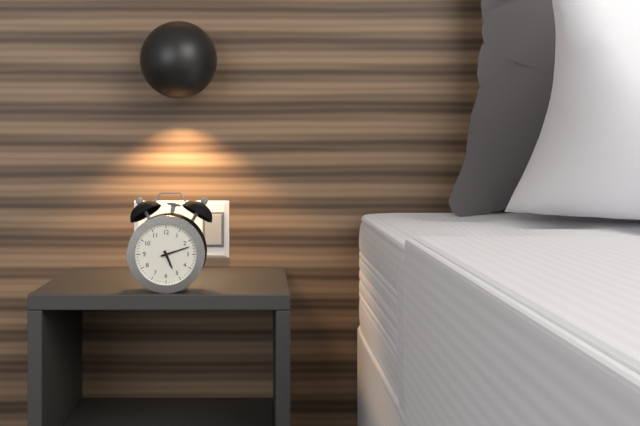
h=5 m=12
